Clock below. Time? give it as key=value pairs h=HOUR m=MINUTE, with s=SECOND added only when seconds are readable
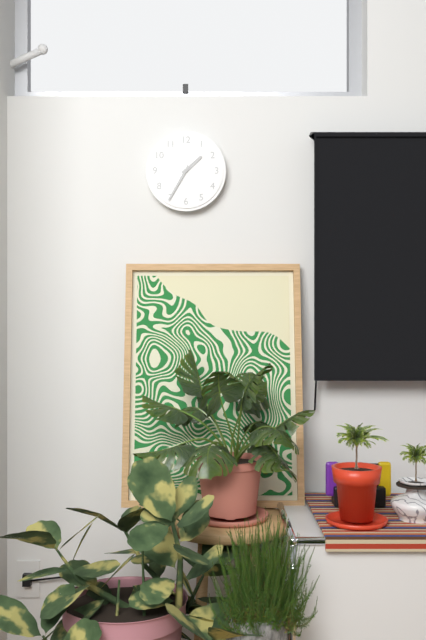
h=1 m=35
